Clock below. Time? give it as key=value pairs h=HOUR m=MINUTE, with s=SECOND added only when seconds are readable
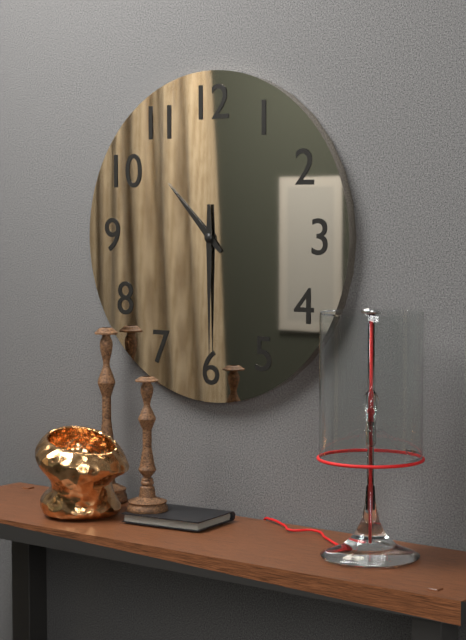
h=10 m=30
